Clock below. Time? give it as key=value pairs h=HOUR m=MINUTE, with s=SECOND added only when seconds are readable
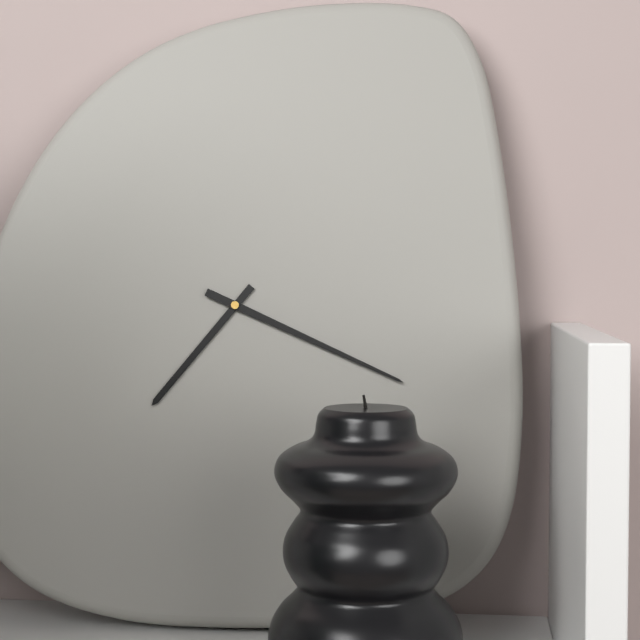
h=7 m=19
